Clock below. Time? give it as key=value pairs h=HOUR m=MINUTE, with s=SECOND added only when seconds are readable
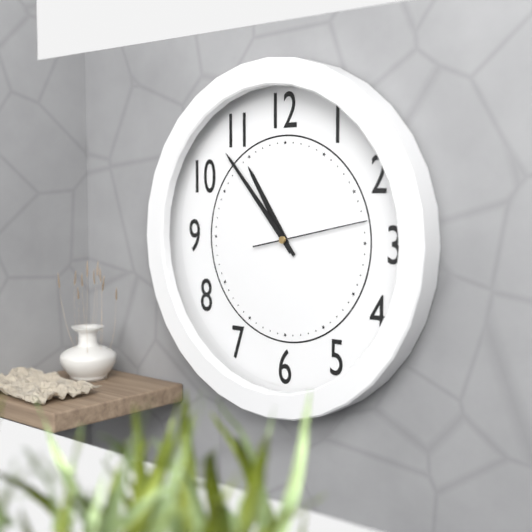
h=10 m=53 s=13
